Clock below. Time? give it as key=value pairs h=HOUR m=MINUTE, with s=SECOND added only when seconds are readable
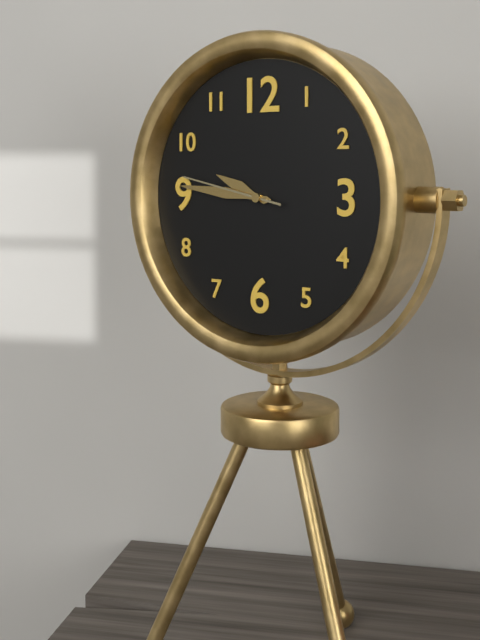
h=9 m=46 s=47
